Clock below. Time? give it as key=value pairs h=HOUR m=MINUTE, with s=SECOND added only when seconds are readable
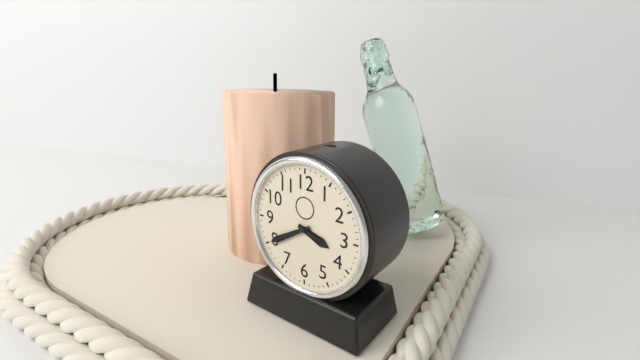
h=3 m=40
